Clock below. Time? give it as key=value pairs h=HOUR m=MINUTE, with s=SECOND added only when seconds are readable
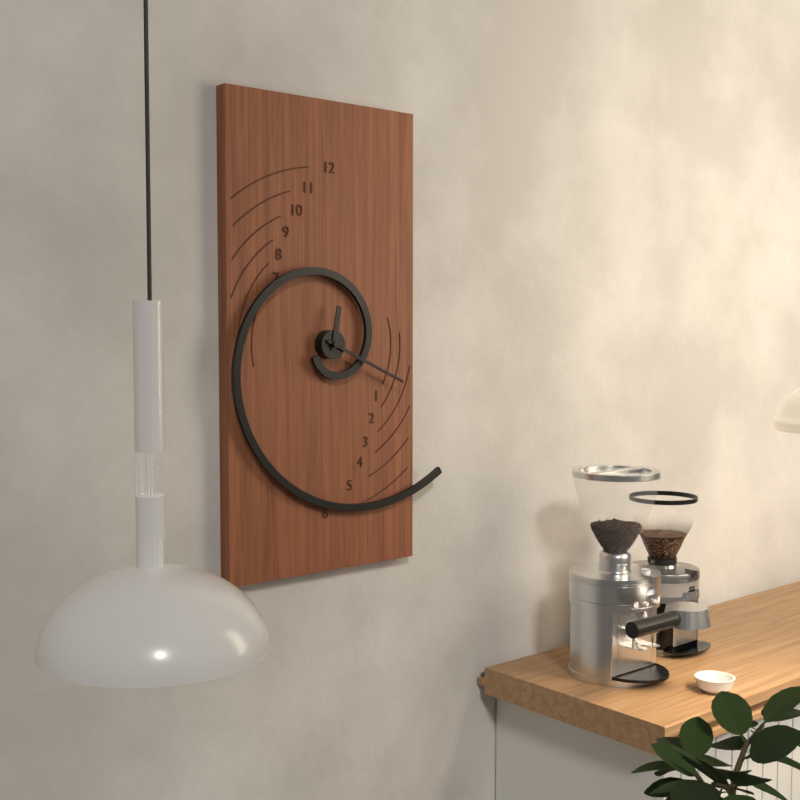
h=12 m=19
